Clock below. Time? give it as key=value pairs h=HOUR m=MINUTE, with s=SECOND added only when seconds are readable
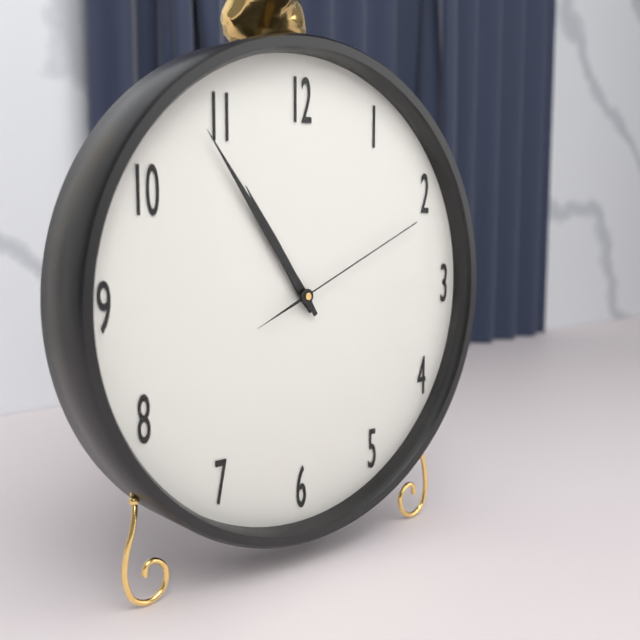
h=10 m=54 s=11
